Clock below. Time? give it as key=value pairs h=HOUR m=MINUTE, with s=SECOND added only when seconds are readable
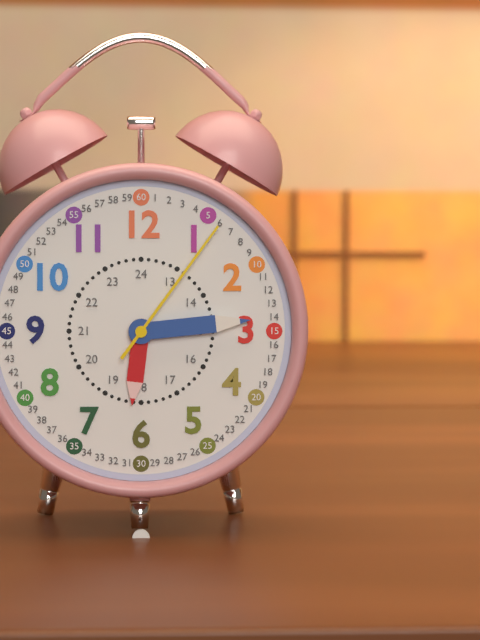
h=6 m=14 s=6
